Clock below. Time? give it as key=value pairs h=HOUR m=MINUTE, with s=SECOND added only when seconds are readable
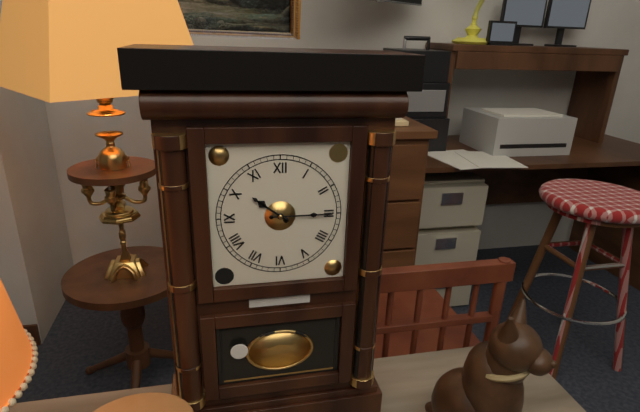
h=10 m=15
